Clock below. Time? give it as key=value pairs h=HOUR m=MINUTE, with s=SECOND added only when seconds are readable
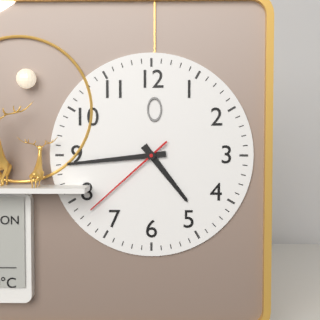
h=4 m=44 s=38
